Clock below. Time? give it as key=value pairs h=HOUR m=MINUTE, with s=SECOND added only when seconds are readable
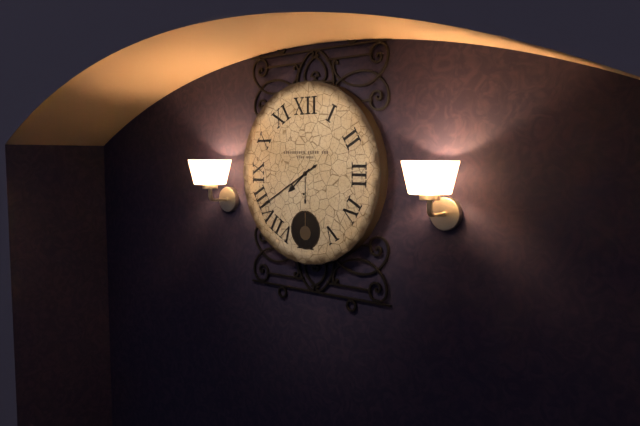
h=7 m=40
